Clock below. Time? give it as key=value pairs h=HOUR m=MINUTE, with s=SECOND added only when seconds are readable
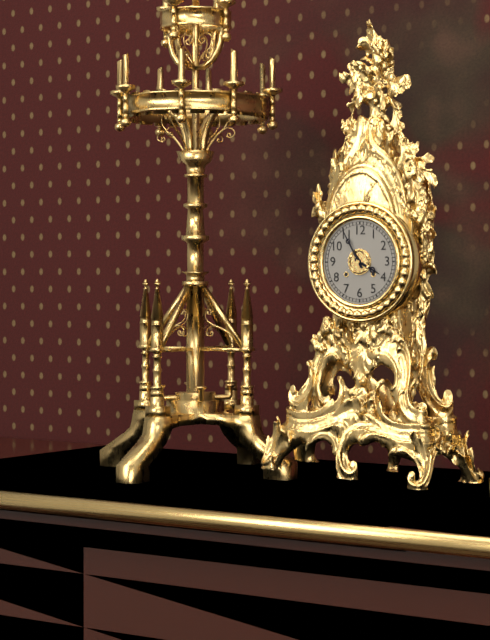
h=3 m=55
